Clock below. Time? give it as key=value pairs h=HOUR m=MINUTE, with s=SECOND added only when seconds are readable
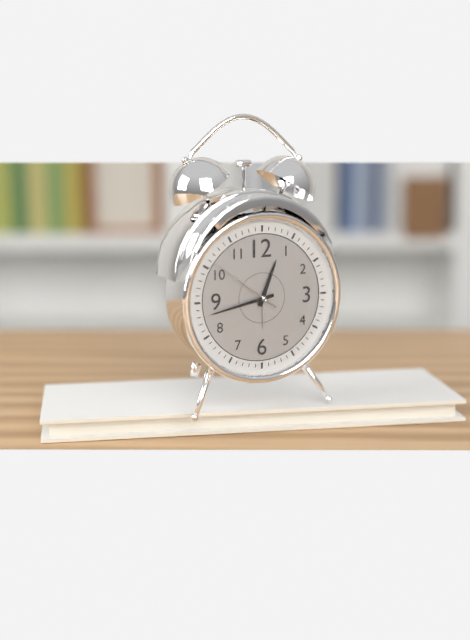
h=12 m=43 s=51
